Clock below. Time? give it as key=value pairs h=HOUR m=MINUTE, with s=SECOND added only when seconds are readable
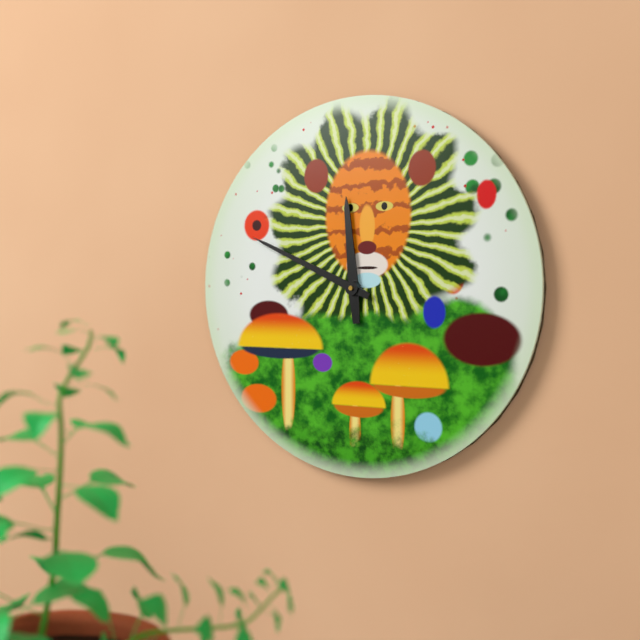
h=11 m=49
